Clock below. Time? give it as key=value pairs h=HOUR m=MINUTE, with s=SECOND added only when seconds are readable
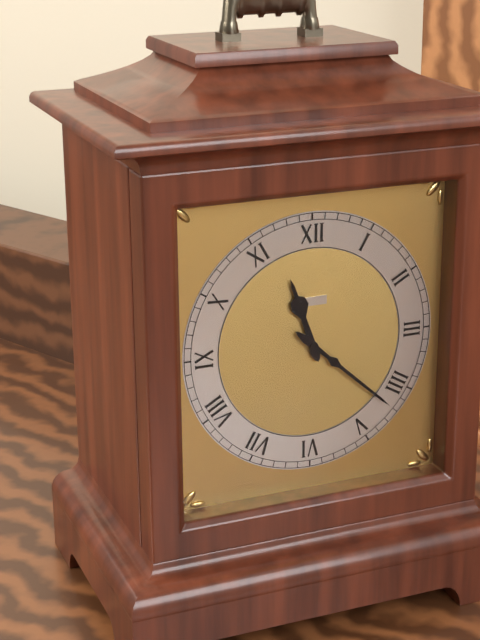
h=11 m=22
